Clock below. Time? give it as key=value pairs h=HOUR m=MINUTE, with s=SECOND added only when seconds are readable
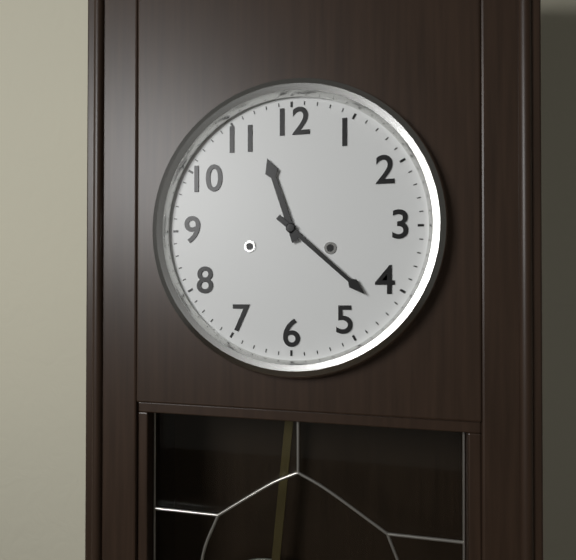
h=11 m=22
